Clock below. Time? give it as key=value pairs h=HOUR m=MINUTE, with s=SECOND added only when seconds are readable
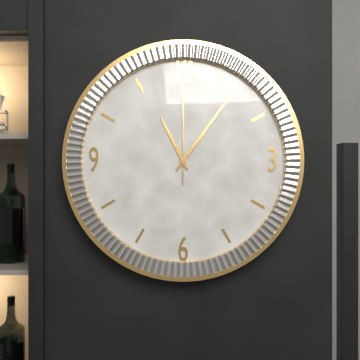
h=11 m=6 s=0
